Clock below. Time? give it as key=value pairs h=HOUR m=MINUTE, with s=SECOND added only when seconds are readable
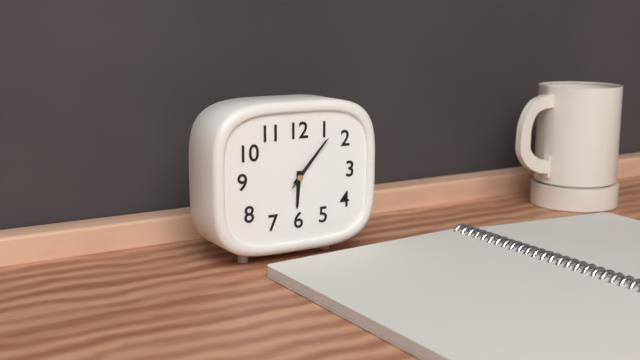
h=6 m=7 s=7
